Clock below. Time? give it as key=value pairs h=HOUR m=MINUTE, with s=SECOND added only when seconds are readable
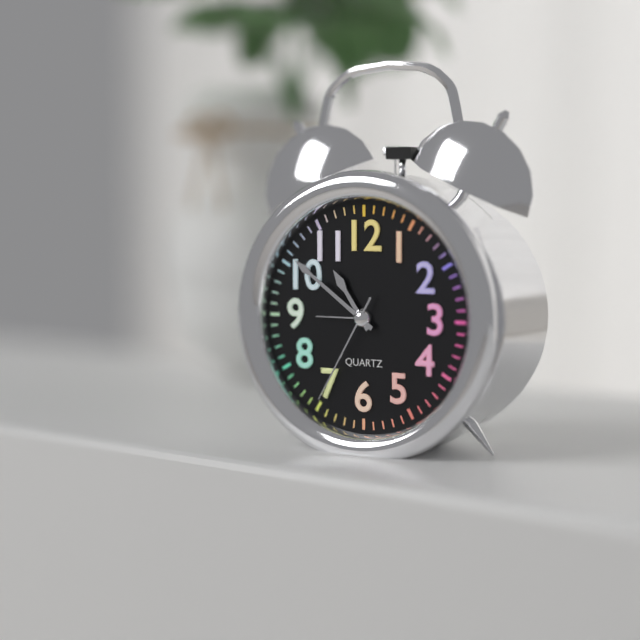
h=10 m=51 s=35
